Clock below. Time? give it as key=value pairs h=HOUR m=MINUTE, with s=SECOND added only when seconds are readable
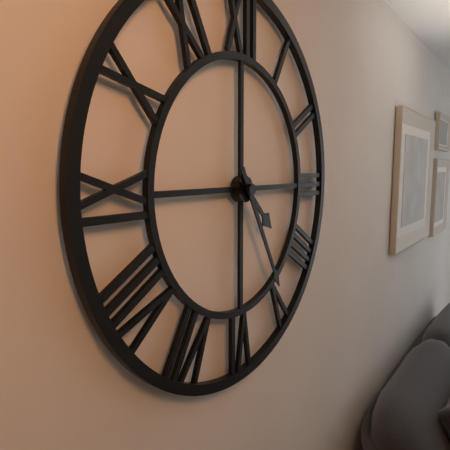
h=4 m=25
